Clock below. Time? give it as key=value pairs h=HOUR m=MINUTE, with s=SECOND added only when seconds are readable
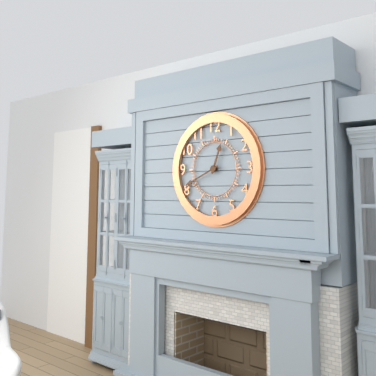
h=12 m=41
